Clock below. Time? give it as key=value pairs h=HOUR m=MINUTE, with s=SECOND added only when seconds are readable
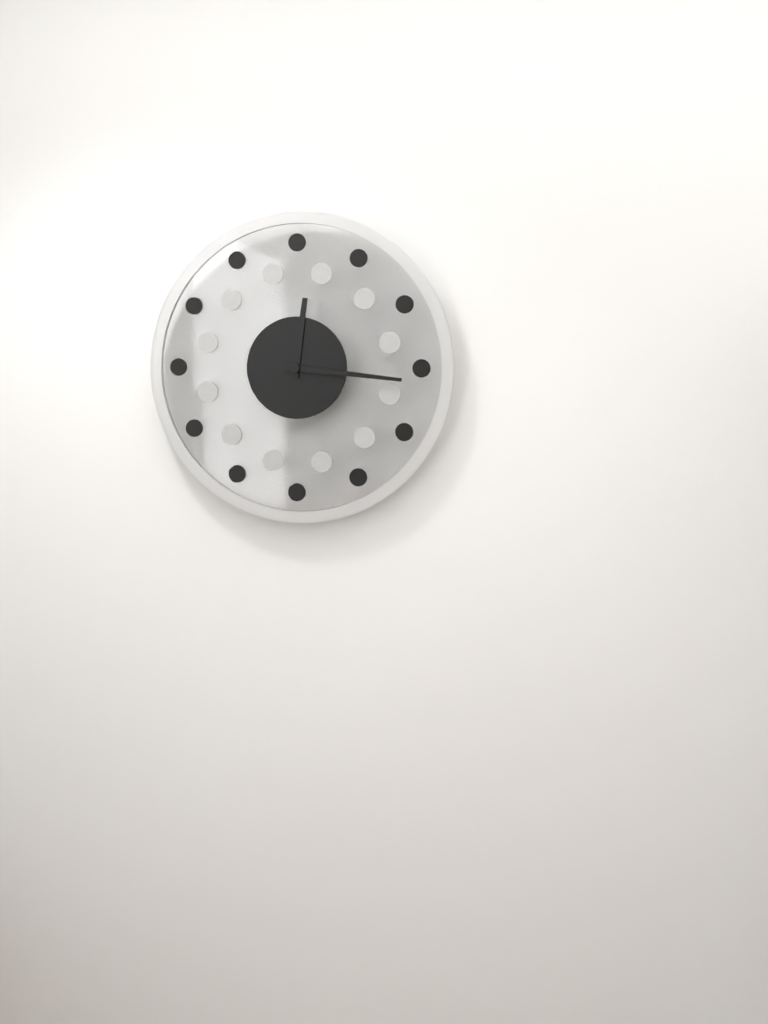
h=12 m=16
